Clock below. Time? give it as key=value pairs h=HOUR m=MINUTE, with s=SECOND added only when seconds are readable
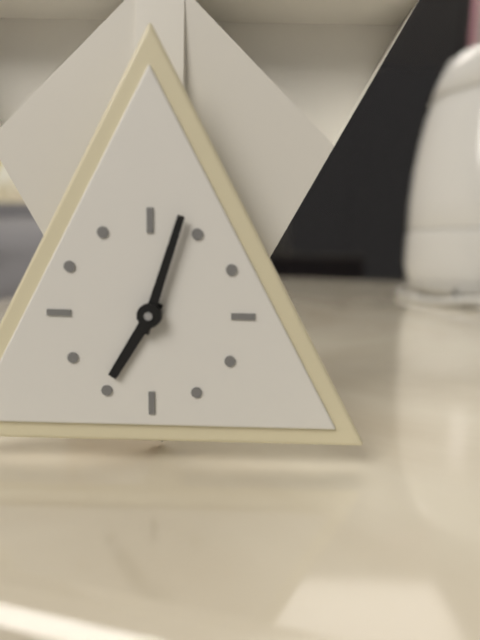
h=7 m=3
